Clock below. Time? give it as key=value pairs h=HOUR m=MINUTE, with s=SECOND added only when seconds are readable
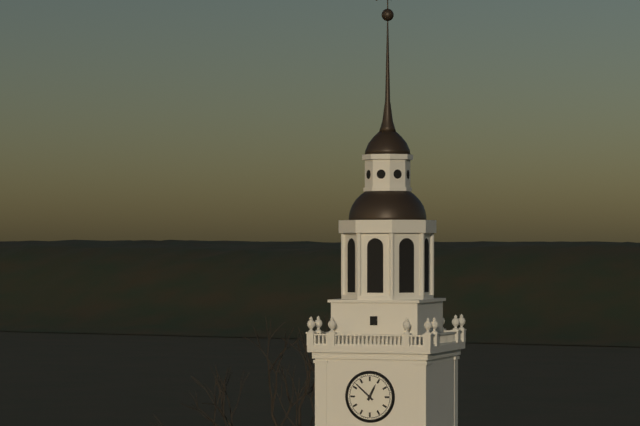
h=12 m=52
